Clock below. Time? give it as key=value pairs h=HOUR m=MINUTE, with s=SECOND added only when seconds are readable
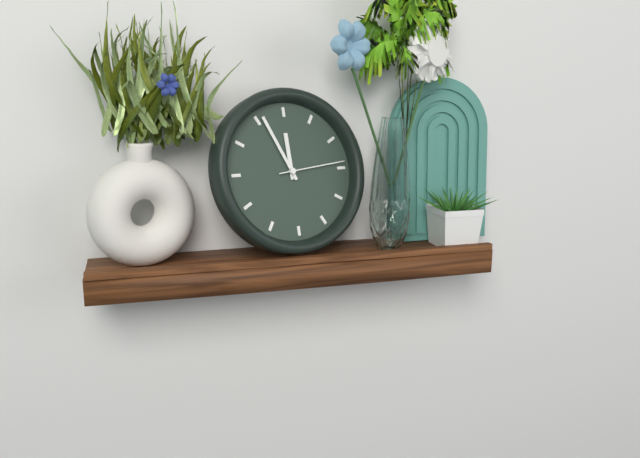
h=11 m=56 s=14
